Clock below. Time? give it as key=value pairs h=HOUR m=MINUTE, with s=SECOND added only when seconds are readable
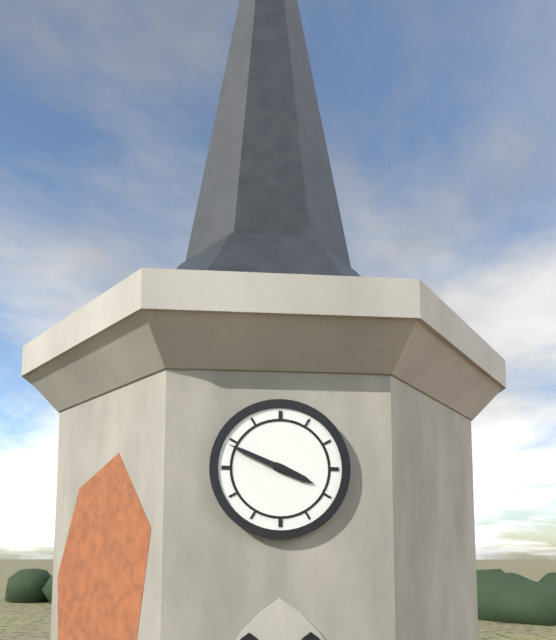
h=3 m=49
